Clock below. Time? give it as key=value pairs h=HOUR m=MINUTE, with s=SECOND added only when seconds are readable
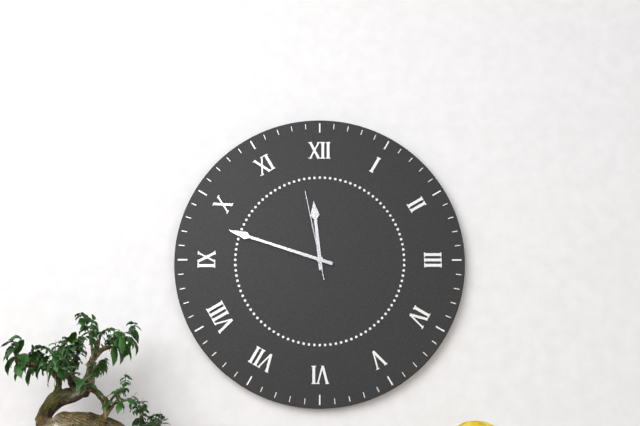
h=11 m=48 s=58
